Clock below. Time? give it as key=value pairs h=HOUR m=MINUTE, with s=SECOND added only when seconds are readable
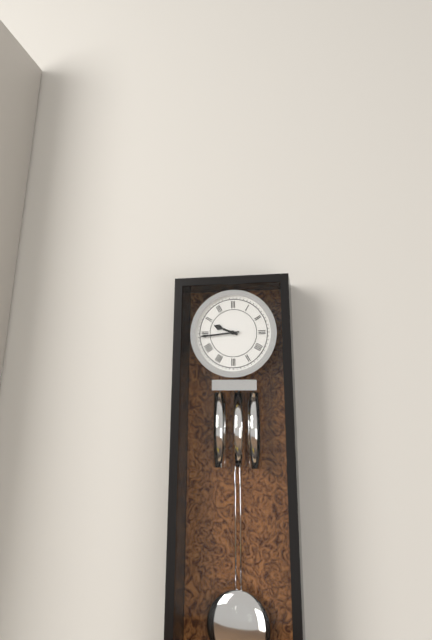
h=9 m=44
